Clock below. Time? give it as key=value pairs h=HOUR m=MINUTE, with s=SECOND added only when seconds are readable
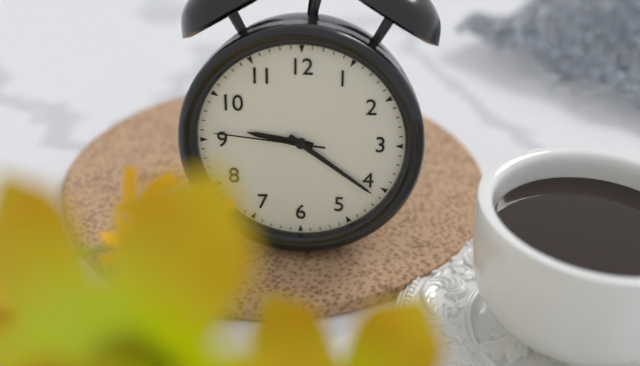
h=9 m=21 s=46
